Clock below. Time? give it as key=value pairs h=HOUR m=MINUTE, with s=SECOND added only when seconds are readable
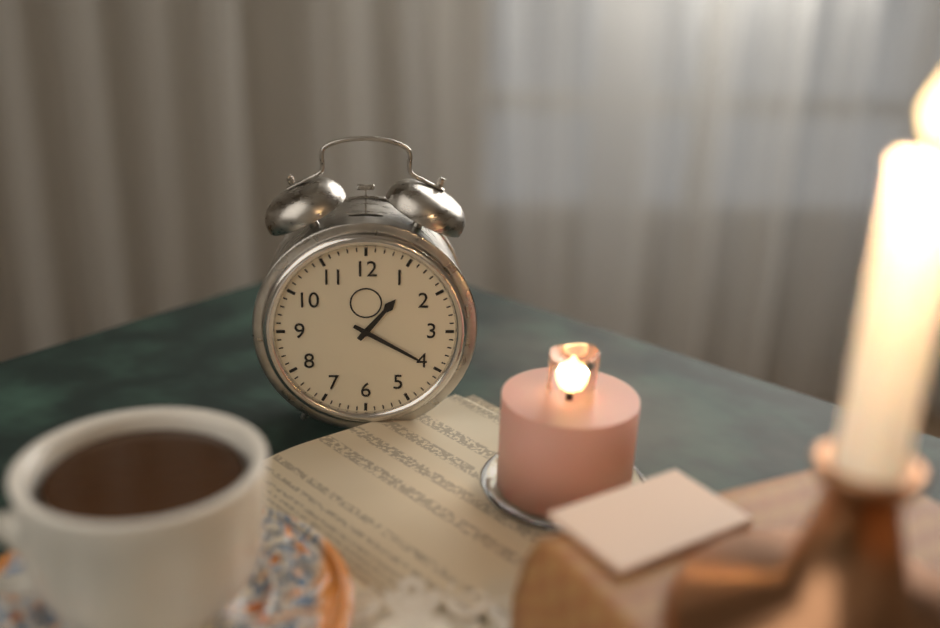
h=1 m=20
